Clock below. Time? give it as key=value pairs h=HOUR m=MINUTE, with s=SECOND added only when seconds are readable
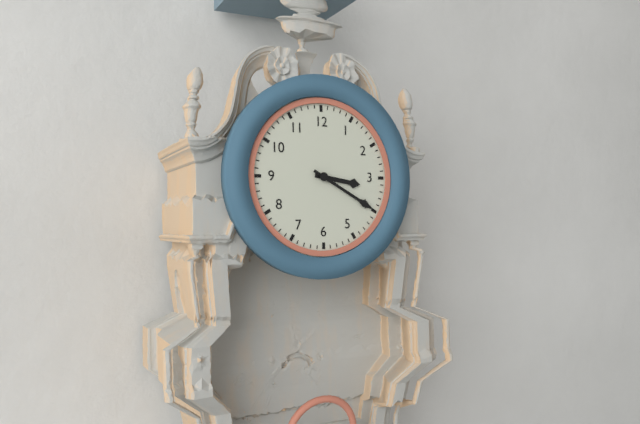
h=3 m=20
